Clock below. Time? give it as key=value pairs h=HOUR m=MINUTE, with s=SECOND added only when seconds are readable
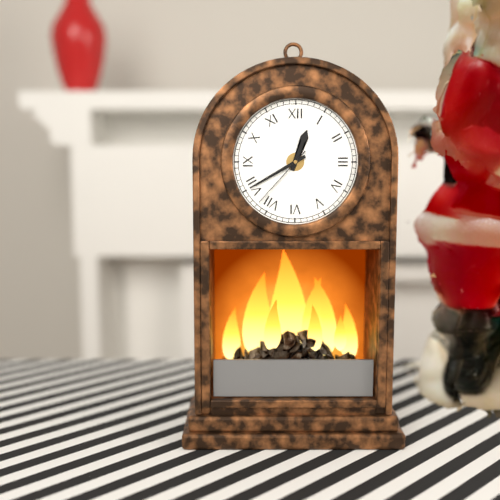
h=12 m=40 s=37
